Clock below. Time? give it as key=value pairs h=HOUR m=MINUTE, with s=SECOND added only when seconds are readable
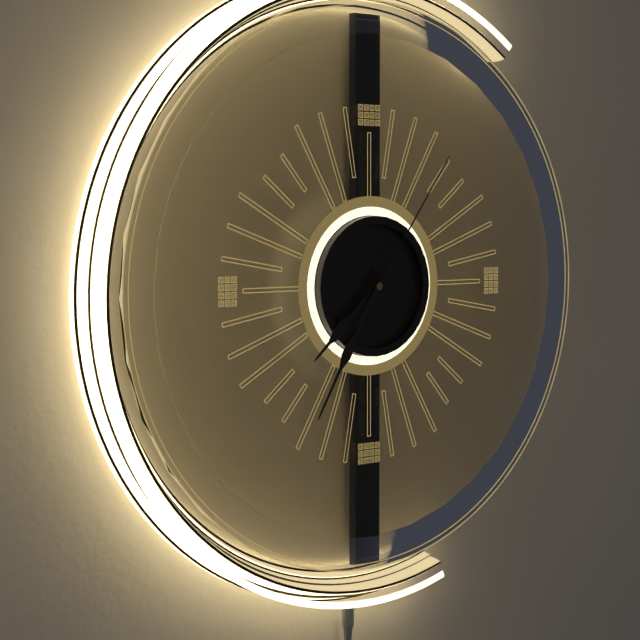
h=7 m=35 s=6
